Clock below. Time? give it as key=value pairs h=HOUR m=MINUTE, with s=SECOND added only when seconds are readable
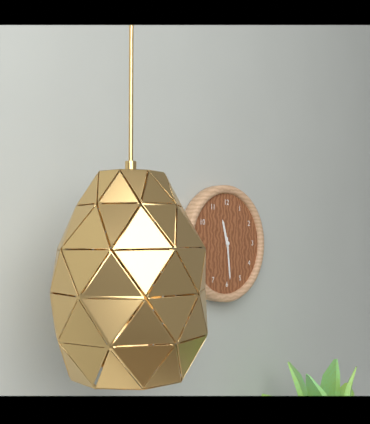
h=11 m=29
